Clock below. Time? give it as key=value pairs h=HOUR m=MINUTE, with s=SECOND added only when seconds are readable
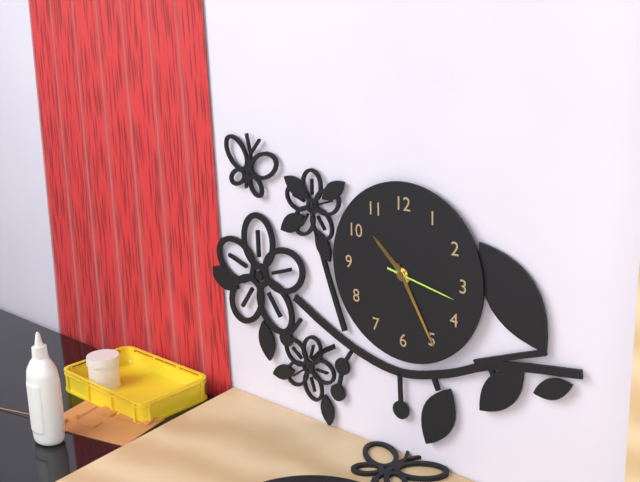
h=10 m=25 s=17
